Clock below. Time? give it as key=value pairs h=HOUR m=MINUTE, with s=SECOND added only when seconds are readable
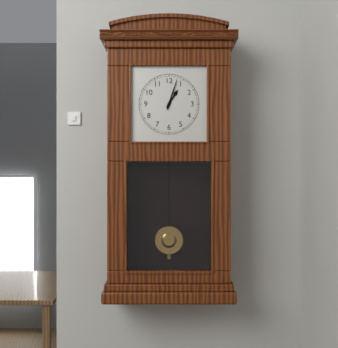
h=1 m=3
